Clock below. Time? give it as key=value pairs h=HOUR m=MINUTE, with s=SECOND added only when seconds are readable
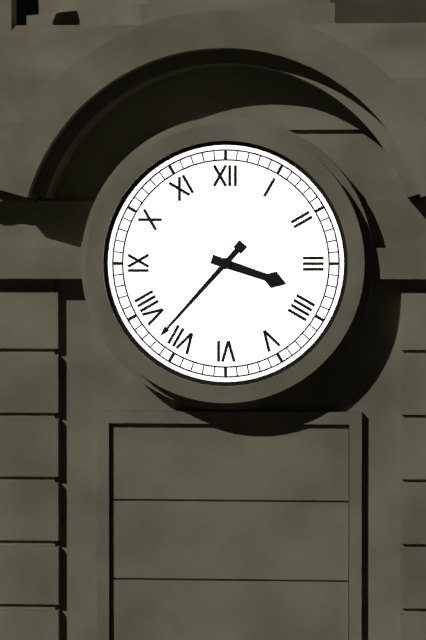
h=3 m=37
